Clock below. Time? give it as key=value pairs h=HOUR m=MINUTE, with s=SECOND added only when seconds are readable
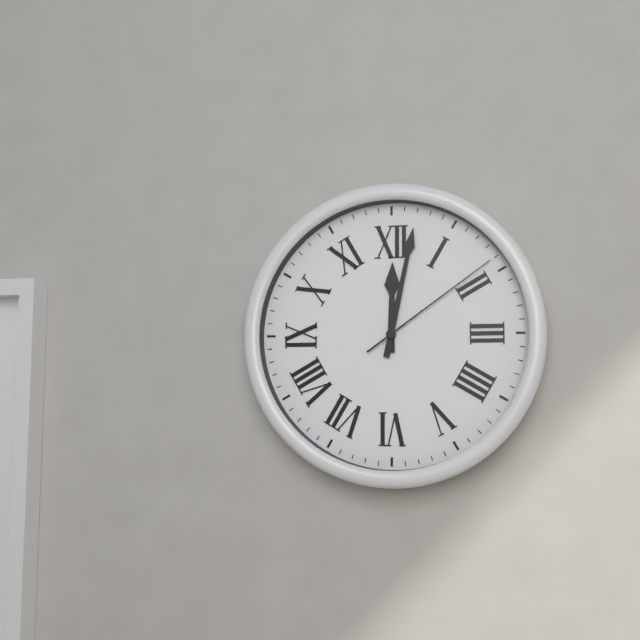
h=12 m=2 s=9
